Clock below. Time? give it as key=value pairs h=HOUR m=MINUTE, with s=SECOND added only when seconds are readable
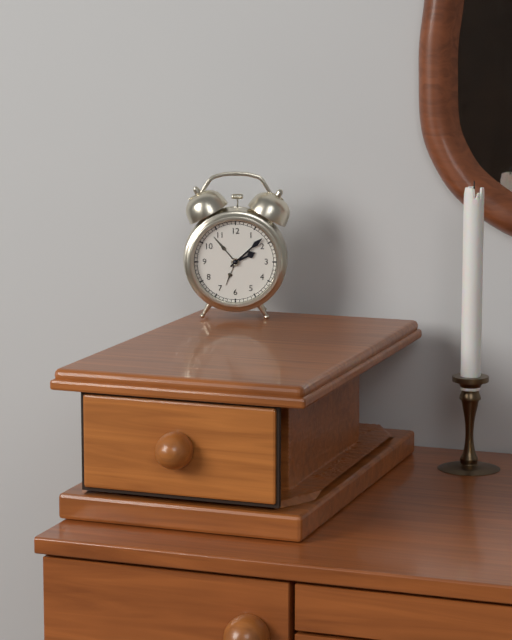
h=2 m=8
